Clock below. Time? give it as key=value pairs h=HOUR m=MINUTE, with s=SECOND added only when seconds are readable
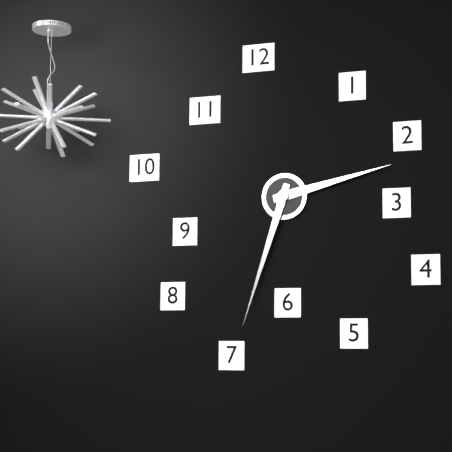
h=2 m=33
